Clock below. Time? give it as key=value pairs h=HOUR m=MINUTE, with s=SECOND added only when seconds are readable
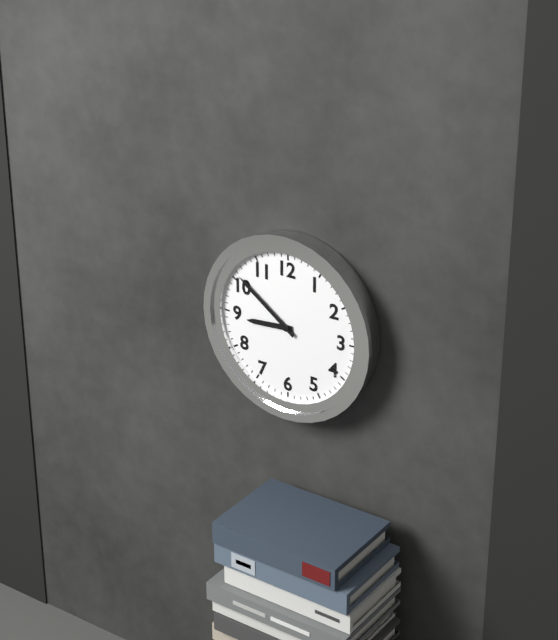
h=8 m=51
